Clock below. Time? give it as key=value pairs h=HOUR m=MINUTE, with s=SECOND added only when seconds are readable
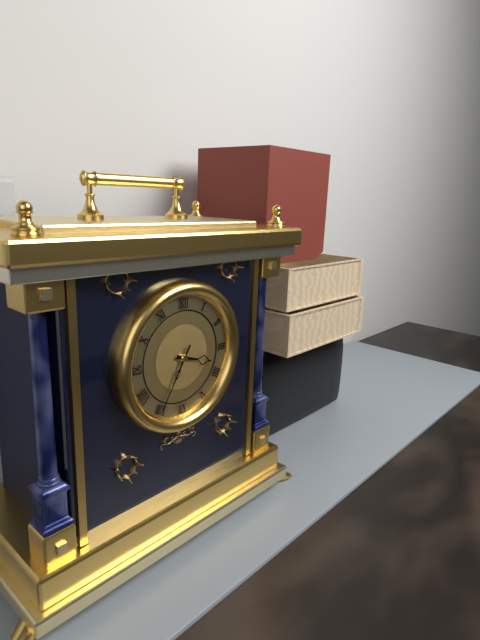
h=3 m=35
